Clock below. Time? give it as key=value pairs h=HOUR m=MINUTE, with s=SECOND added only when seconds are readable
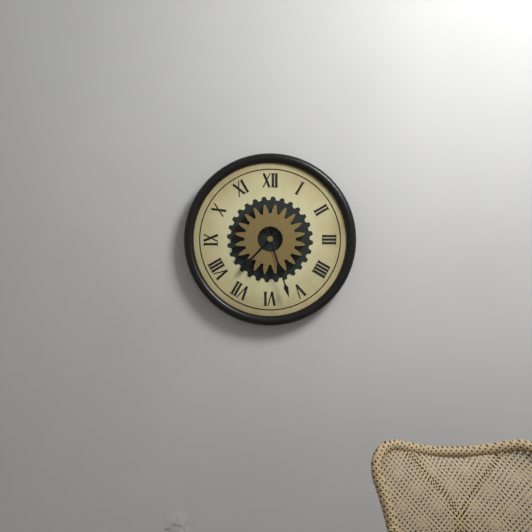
h=7 m=27
